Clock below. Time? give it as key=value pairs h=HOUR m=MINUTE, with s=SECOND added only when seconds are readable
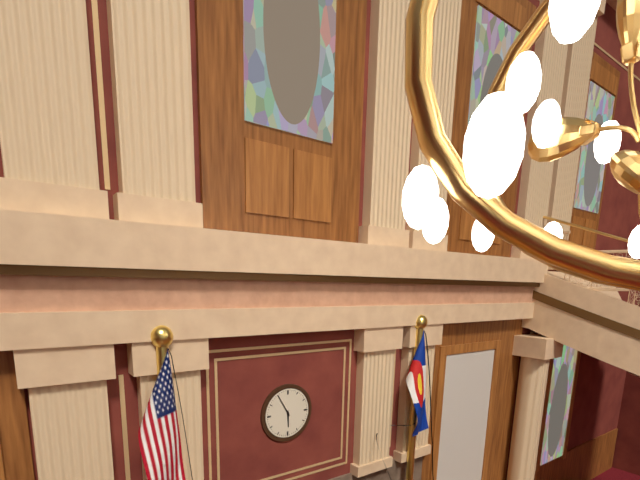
h=5 m=55
